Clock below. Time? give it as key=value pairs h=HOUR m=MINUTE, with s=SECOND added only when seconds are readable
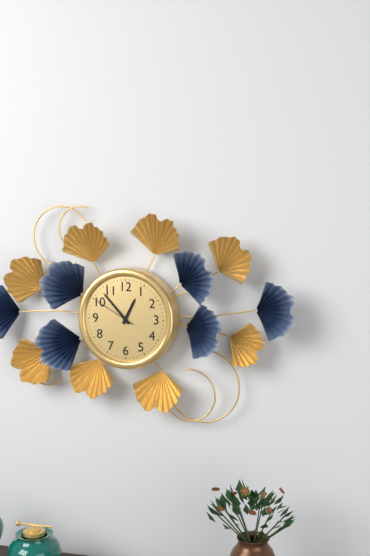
h=12 m=53
